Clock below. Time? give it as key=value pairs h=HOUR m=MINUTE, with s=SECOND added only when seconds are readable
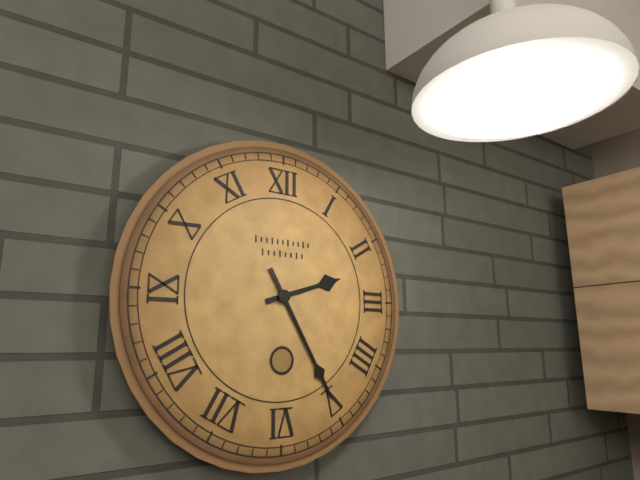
h=2 m=25
